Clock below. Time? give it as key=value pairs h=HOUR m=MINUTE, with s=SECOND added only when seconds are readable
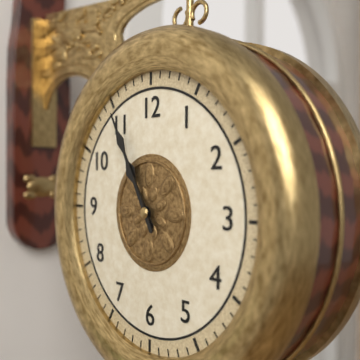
h=10 m=55
